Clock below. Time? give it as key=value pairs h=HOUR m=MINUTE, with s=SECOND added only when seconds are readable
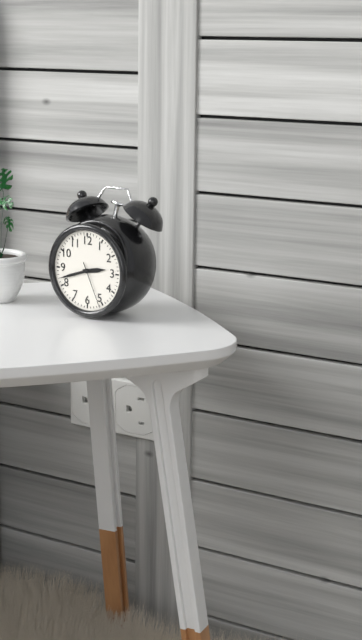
h=2 m=42
